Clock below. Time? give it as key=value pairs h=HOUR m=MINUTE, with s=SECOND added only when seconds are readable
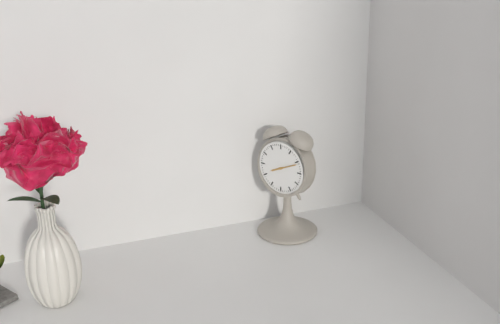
h=8 m=11
